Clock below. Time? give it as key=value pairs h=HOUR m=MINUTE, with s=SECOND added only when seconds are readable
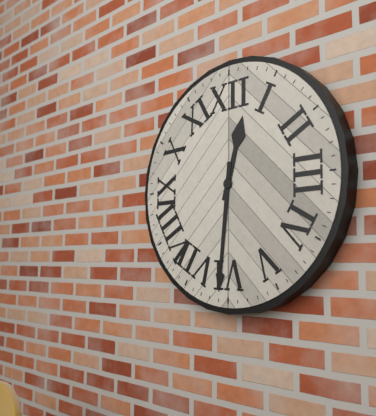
h=12 m=31
